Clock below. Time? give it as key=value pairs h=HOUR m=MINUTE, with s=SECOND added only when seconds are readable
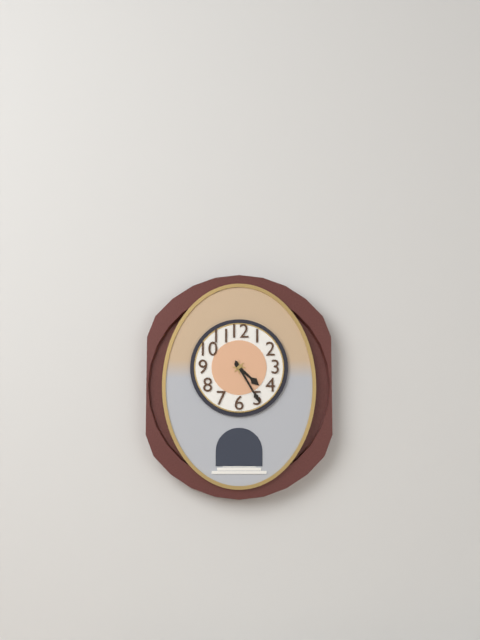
h=4 m=25
